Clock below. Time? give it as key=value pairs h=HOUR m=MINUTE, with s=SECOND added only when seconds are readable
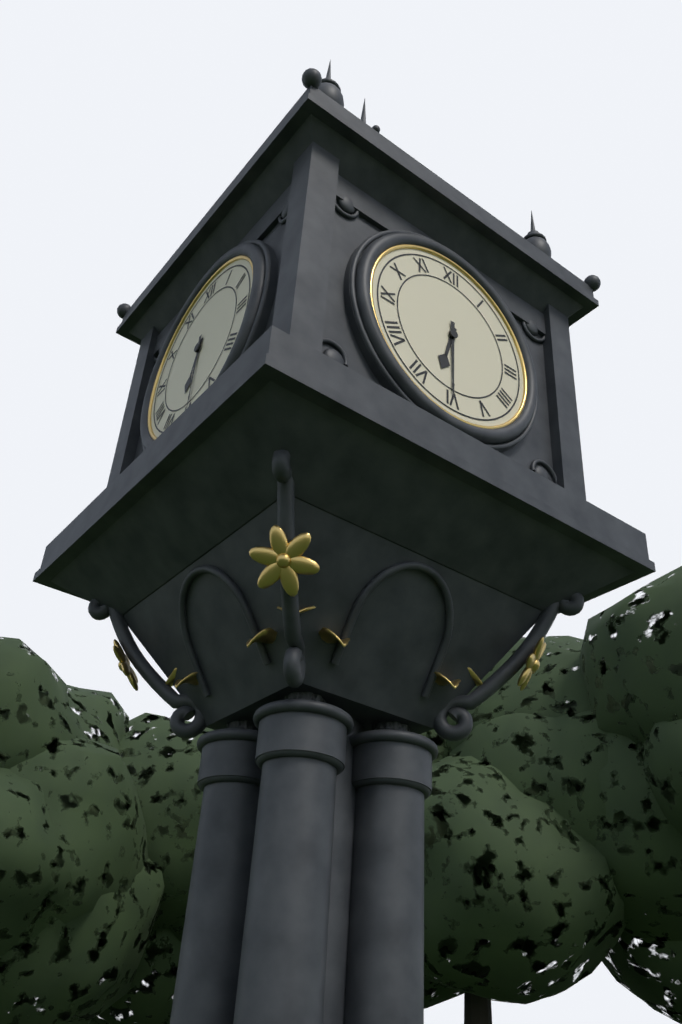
h=6 m=30
